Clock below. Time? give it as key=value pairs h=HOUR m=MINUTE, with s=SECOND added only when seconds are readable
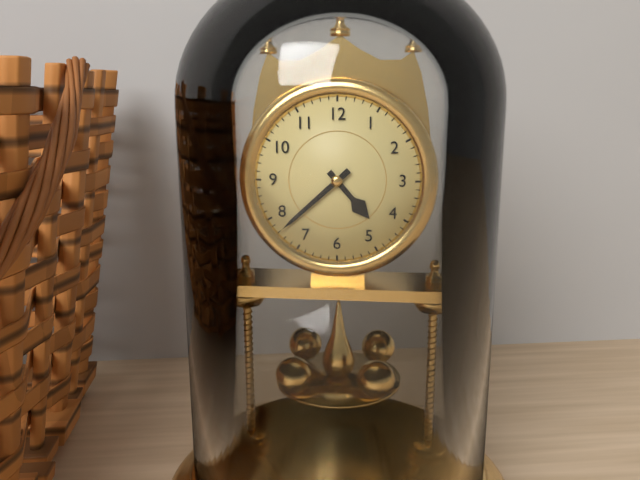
h=4 m=38
